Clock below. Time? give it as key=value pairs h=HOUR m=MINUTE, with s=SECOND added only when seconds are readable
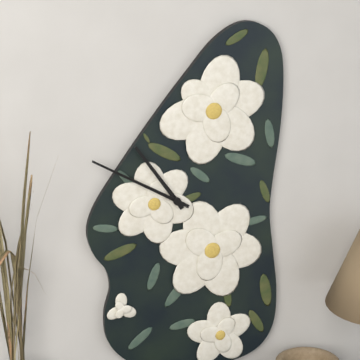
h=10 m=50
